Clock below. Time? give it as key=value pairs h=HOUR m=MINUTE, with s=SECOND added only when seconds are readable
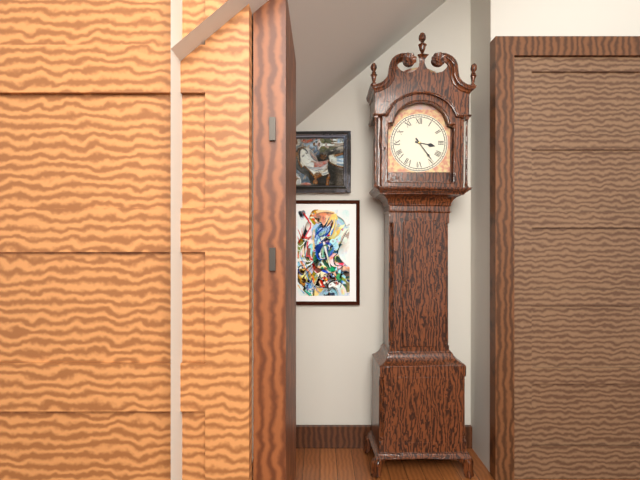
h=3 m=24
